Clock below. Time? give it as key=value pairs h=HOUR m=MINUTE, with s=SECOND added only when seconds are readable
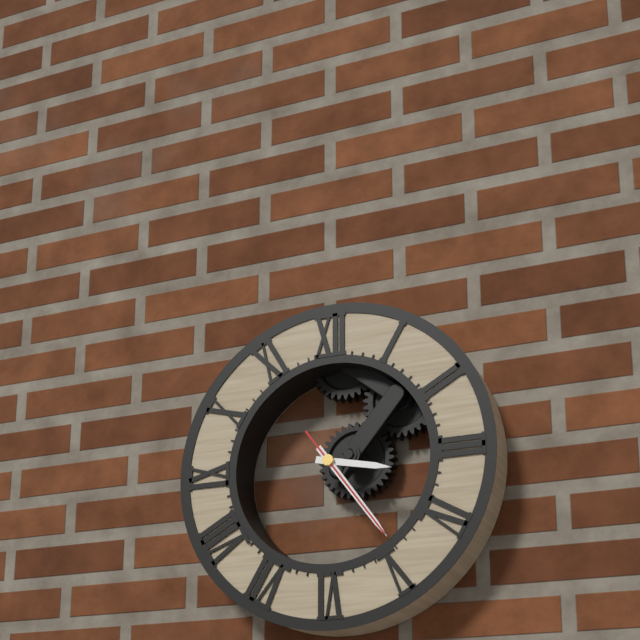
h=3 m=24 s=24
